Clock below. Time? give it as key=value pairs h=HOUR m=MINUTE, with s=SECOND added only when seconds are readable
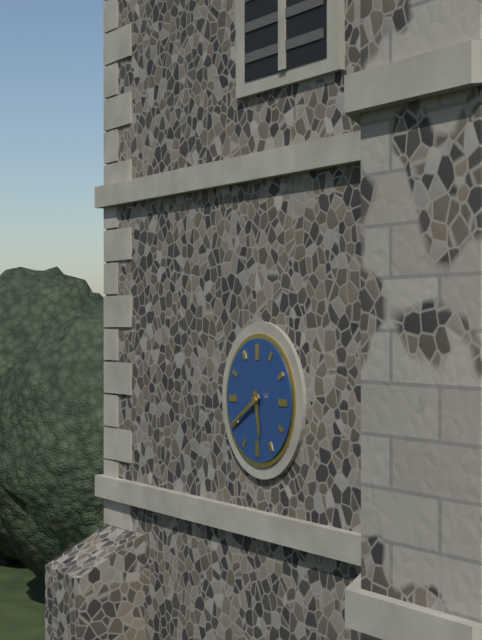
h=5 m=40
